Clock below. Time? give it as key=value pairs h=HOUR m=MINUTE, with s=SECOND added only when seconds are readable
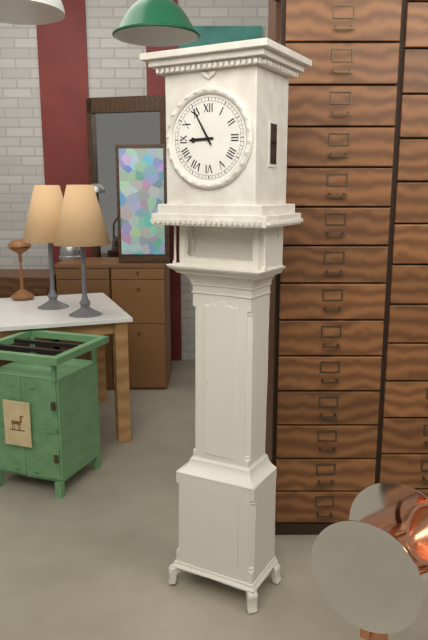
h=8 m=55
